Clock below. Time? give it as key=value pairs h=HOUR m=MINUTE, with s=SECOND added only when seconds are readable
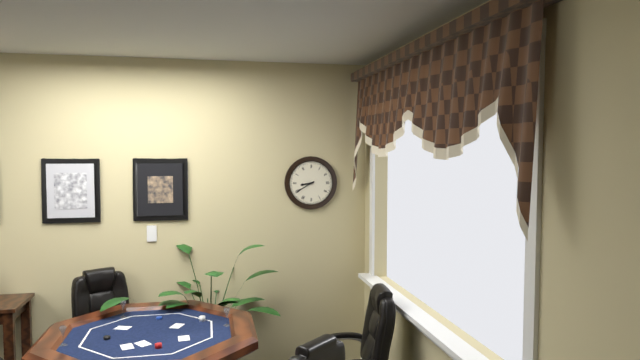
h=8 m=40
